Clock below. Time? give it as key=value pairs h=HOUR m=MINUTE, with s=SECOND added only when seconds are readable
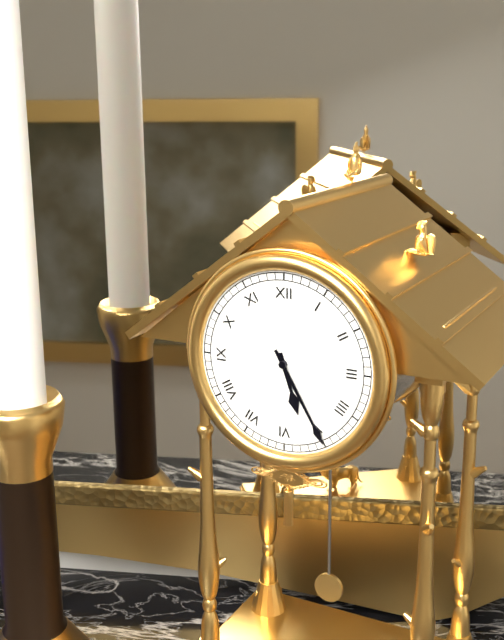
h=5 m=25
